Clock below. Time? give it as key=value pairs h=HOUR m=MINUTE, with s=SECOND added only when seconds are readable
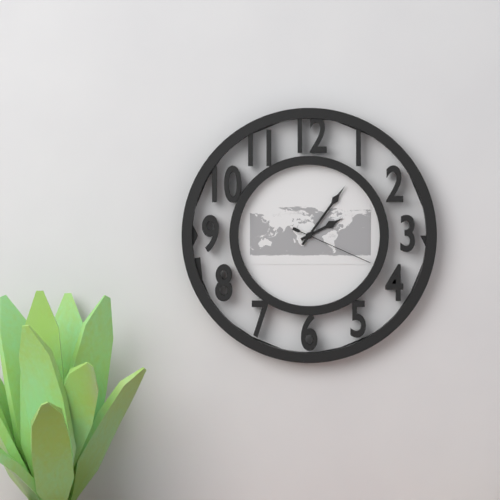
h=2 m=6 s=19
